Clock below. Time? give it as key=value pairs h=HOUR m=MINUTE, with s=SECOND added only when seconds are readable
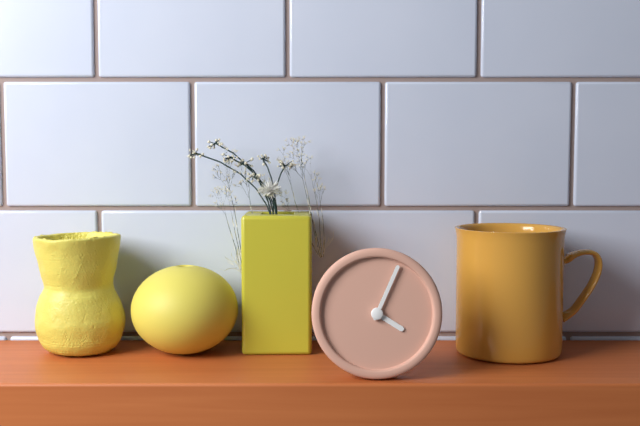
h=4 m=4
